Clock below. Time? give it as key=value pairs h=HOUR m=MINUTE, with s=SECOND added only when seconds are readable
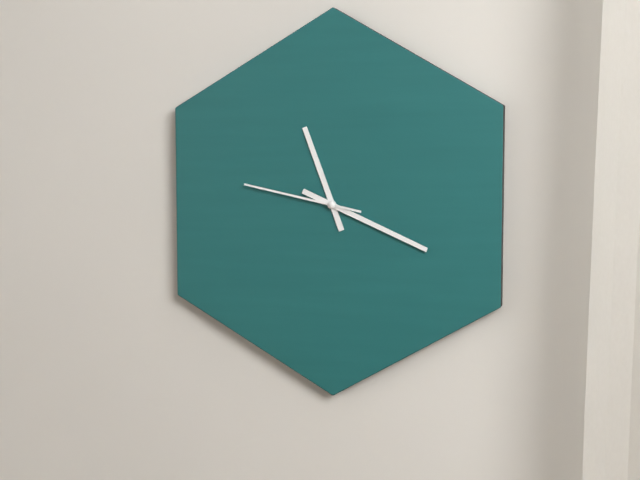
h=11 m=19 s=47
